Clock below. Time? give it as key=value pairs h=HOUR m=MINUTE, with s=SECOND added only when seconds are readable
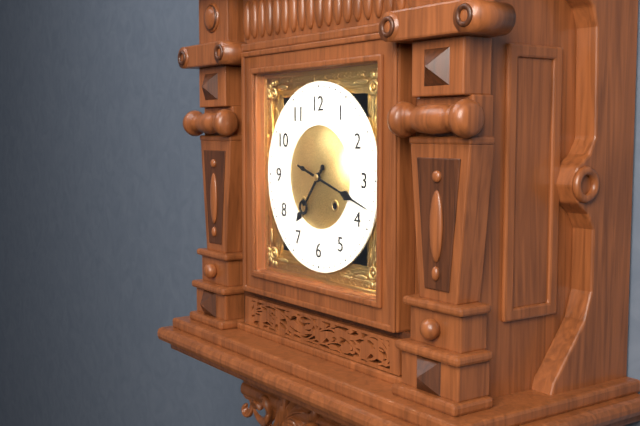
h=7 m=18
